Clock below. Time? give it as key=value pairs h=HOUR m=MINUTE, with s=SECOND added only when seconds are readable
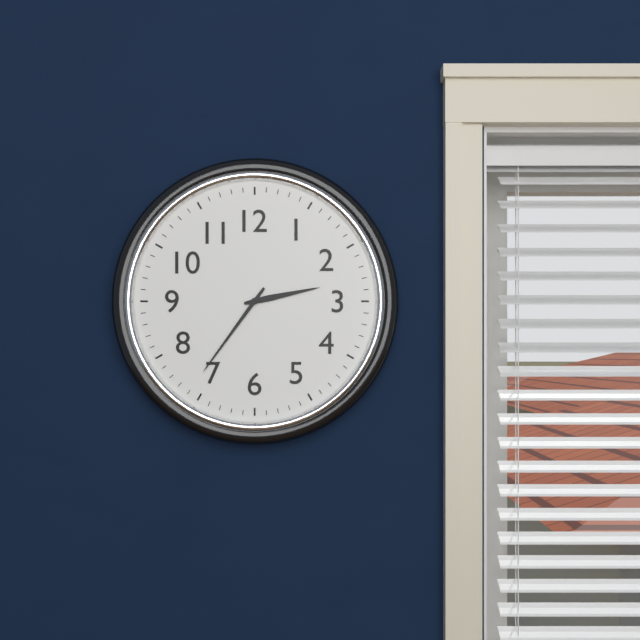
h=2 m=36
